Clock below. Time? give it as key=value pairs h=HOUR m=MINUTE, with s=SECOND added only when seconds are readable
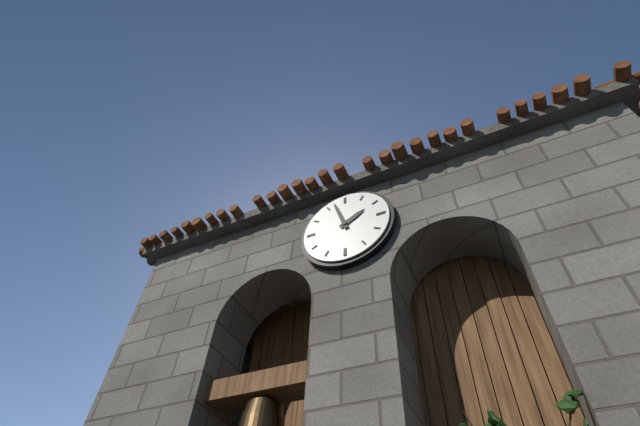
h=1 m=57
